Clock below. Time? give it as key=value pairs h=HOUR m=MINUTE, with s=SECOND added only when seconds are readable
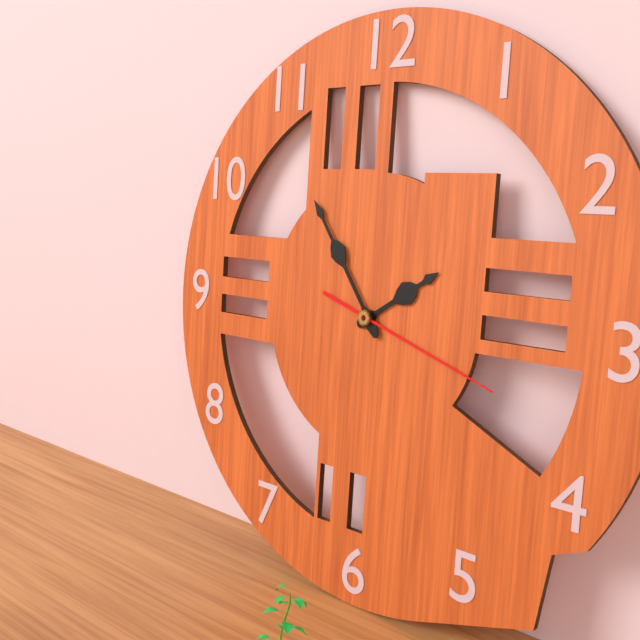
h=1 m=54 s=18
